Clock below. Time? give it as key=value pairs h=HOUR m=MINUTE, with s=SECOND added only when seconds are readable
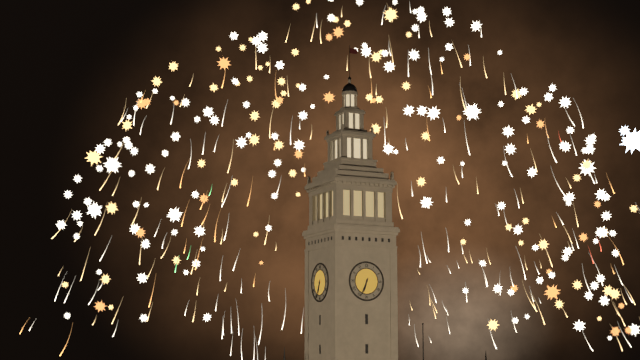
h=6 m=34
